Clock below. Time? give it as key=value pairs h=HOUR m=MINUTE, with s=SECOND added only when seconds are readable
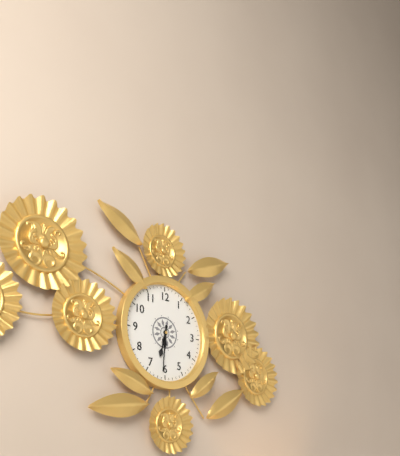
h=6 m=31
